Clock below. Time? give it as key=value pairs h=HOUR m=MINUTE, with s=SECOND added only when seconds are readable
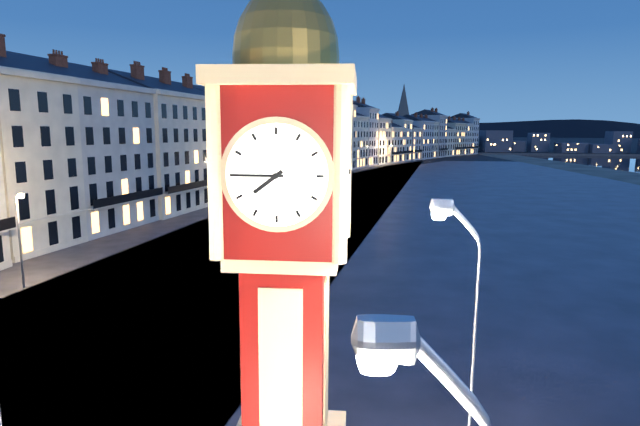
h=7 m=45
